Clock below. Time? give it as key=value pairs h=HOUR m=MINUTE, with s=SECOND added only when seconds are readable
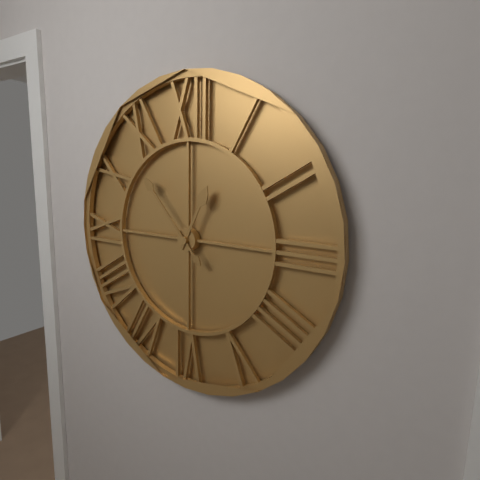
h=12 m=53
